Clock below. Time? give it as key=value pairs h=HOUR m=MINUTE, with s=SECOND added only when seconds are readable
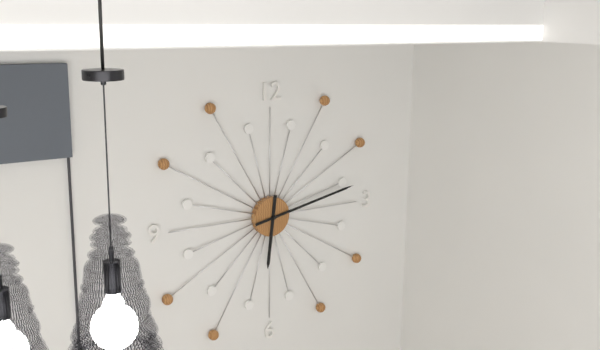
h=6 m=13
